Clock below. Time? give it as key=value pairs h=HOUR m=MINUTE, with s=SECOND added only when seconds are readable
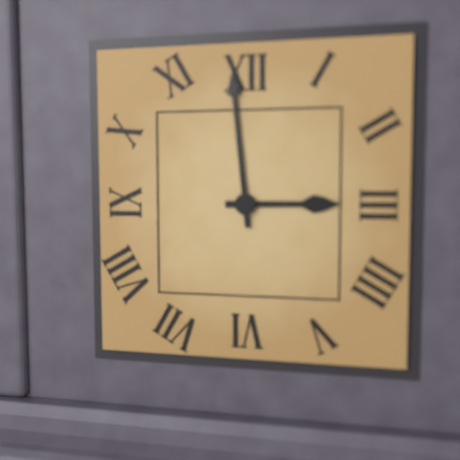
h=2 m=59
